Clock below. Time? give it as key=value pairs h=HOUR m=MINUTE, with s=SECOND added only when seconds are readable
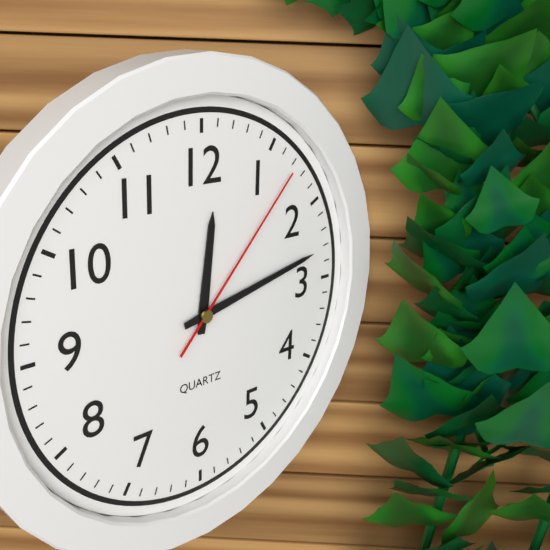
h=12 m=13 s=7
